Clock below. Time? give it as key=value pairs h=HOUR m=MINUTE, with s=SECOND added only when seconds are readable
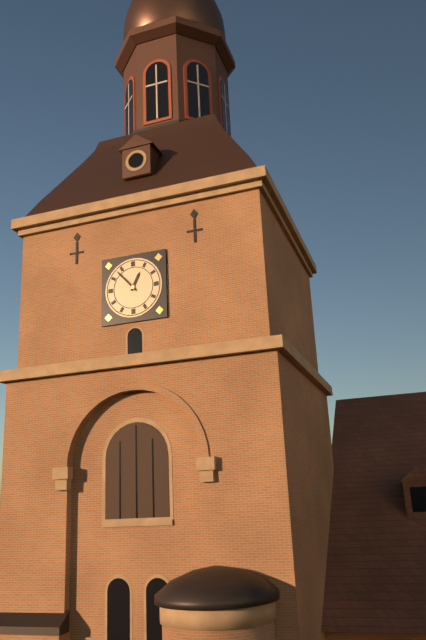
h=12 m=53
